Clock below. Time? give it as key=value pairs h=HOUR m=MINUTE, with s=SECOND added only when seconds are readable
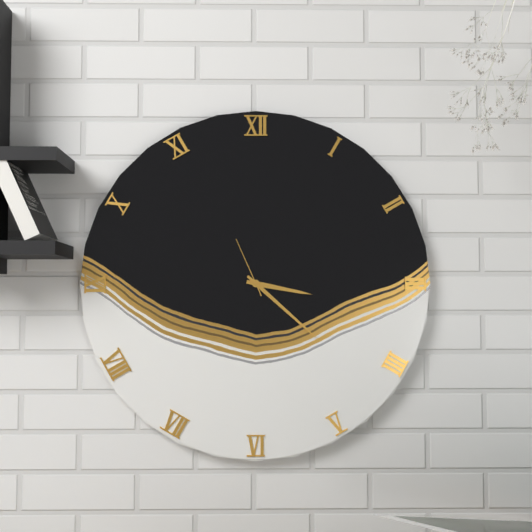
h=3 m=22 s=56
